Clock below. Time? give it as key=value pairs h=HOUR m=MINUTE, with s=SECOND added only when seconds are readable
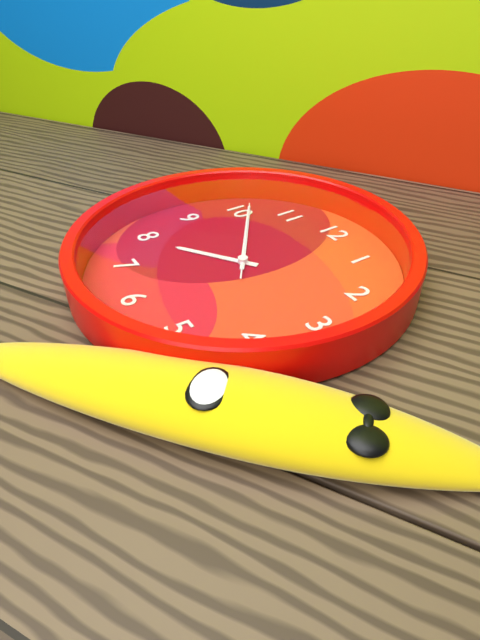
h=7 m=51 s=51
